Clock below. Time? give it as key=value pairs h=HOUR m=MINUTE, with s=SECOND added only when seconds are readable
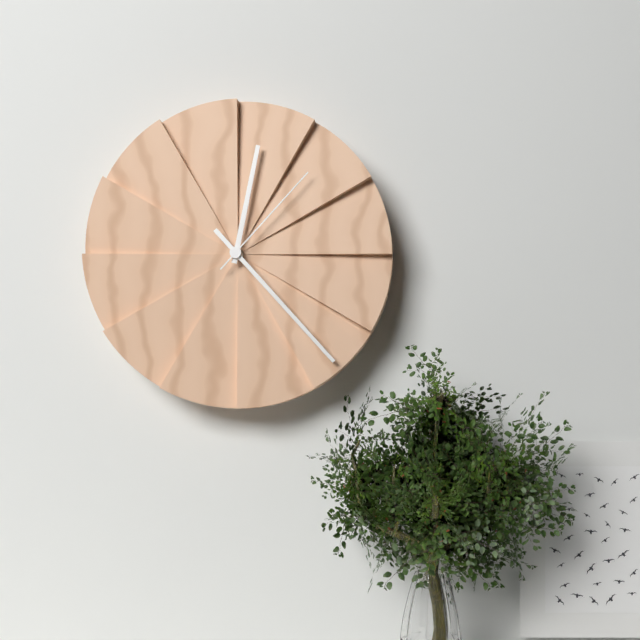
h=12 m=23 s=7
